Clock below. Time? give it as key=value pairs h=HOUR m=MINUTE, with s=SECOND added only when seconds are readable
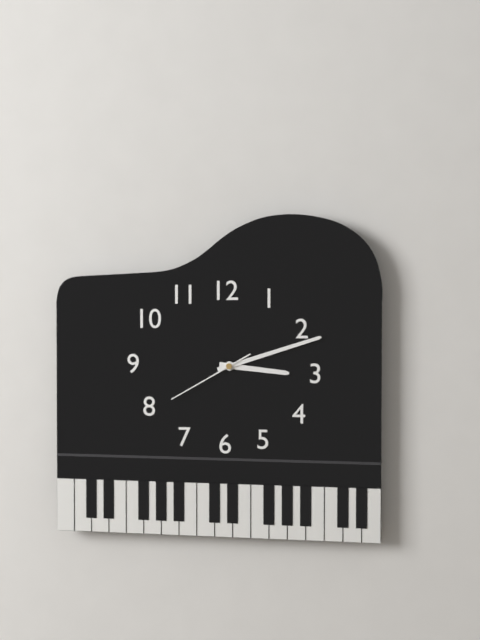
h=3 m=12 s=40
